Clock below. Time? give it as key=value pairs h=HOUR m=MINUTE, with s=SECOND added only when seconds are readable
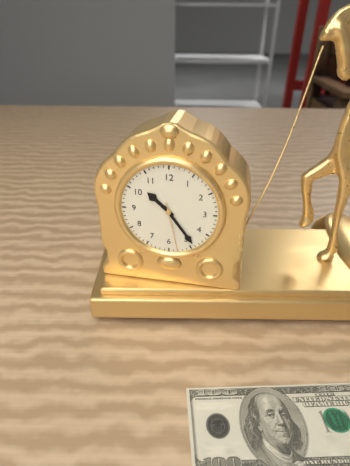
h=10 m=24
